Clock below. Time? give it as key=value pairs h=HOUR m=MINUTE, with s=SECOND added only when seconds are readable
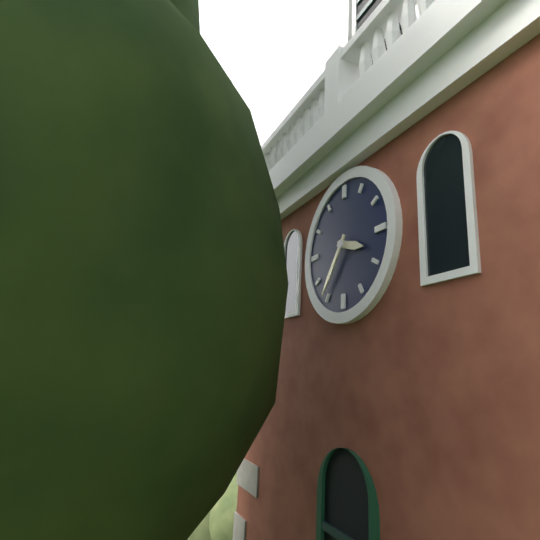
h=3 m=36
